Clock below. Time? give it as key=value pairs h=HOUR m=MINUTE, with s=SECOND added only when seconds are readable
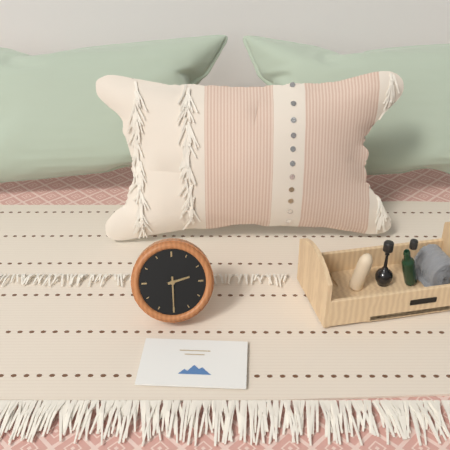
h=2 m=30
